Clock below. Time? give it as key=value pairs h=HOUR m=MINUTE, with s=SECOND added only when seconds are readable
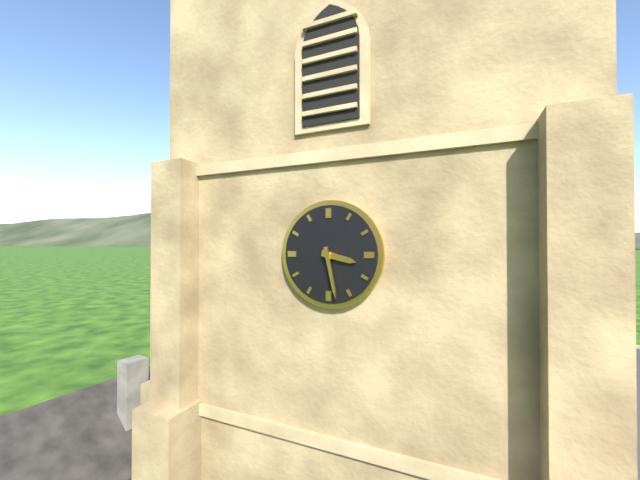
h=3 m=28
